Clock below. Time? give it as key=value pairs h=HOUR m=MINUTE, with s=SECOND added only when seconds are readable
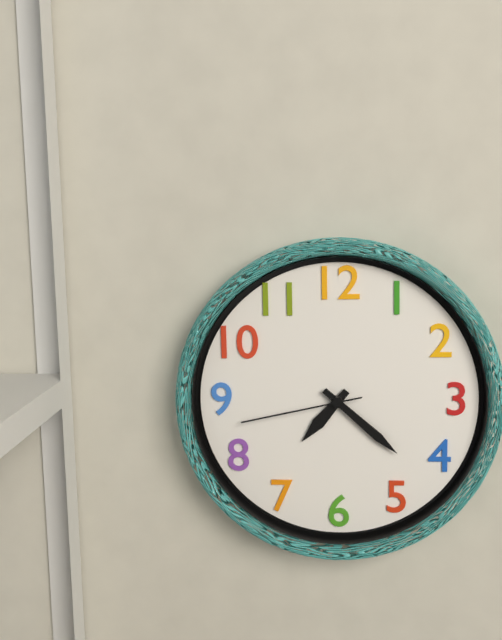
h=7 m=22 s=43
